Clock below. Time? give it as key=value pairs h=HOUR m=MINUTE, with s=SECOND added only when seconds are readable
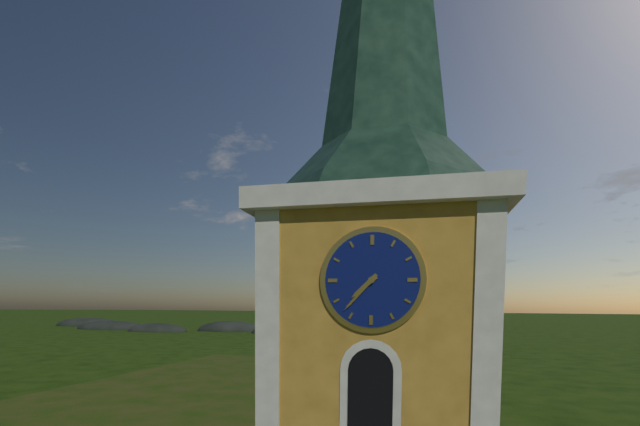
h=7 m=37
